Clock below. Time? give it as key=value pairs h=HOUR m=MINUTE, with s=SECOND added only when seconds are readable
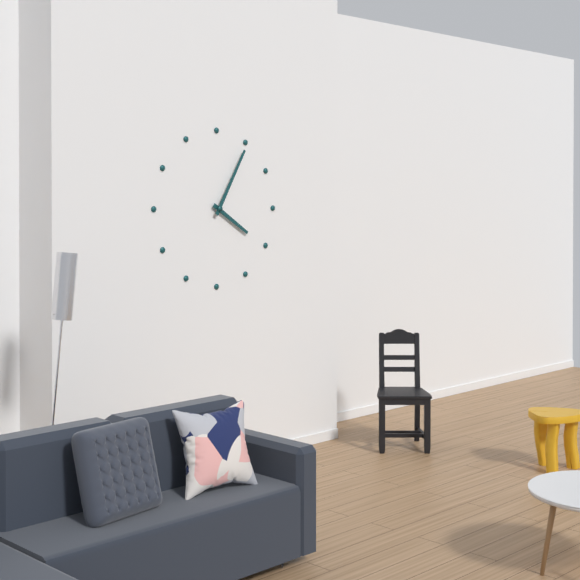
h=4 m=5
